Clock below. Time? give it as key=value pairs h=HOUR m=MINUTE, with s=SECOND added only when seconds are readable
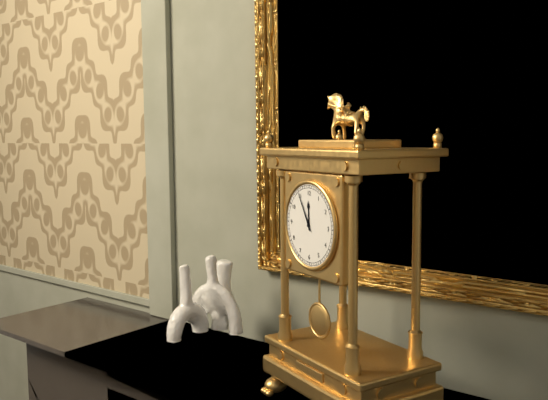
h=11 m=55
